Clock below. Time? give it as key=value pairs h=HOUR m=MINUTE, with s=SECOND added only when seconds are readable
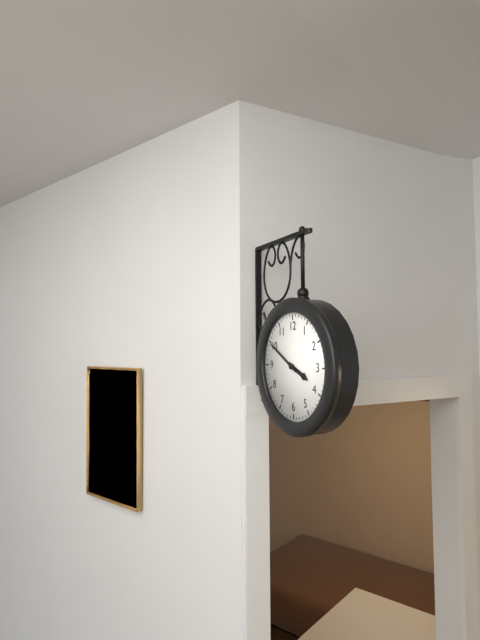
h=3 m=50
